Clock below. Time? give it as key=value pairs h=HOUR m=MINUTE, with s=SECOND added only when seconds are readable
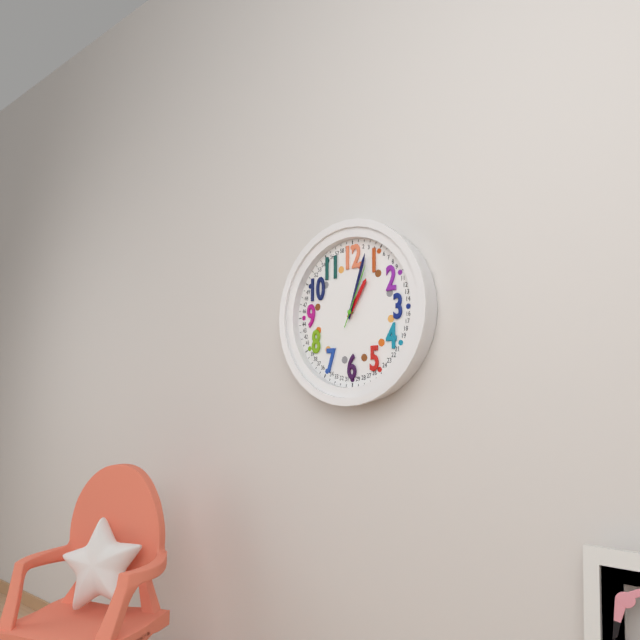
h=1 m=3 s=4
